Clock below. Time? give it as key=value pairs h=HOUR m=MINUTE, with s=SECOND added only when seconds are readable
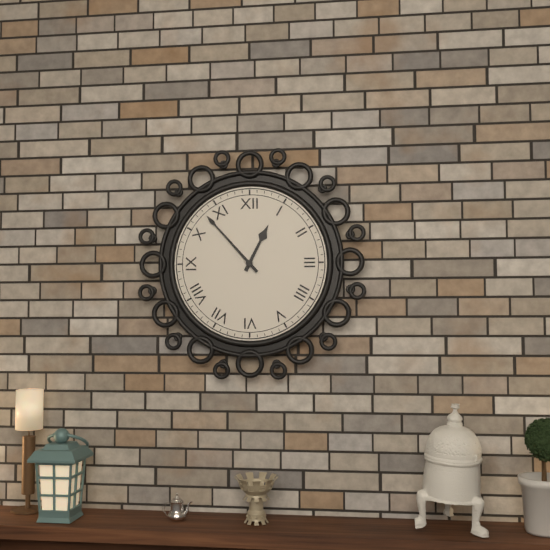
h=12 m=53
